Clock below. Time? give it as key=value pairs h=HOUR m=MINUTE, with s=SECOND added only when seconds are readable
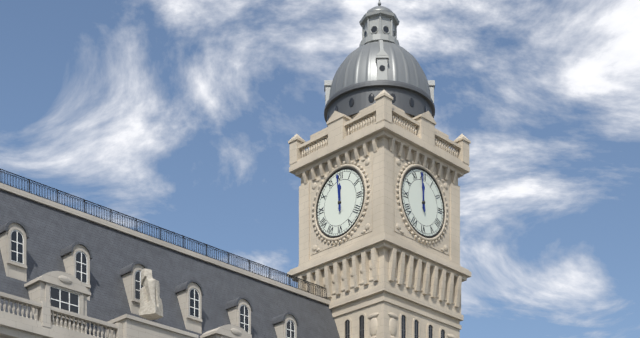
h=11 m=59
